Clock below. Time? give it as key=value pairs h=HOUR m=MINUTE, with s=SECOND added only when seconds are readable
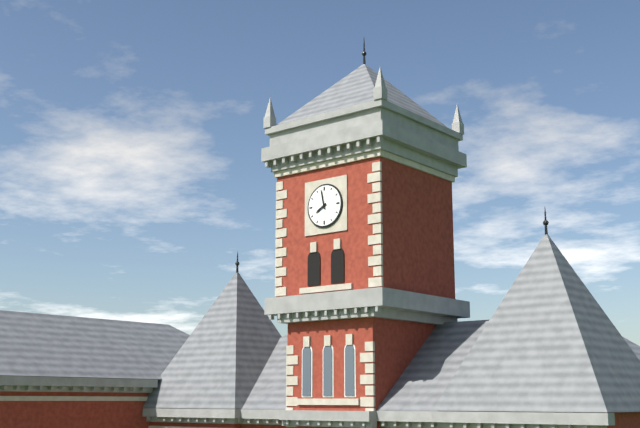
h=7 m=58
